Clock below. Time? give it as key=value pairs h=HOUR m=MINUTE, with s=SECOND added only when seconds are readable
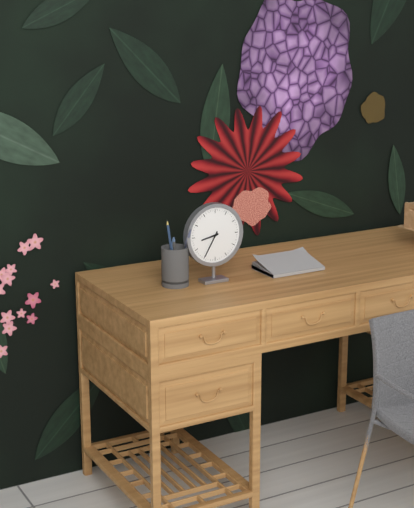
h=8 m=35
